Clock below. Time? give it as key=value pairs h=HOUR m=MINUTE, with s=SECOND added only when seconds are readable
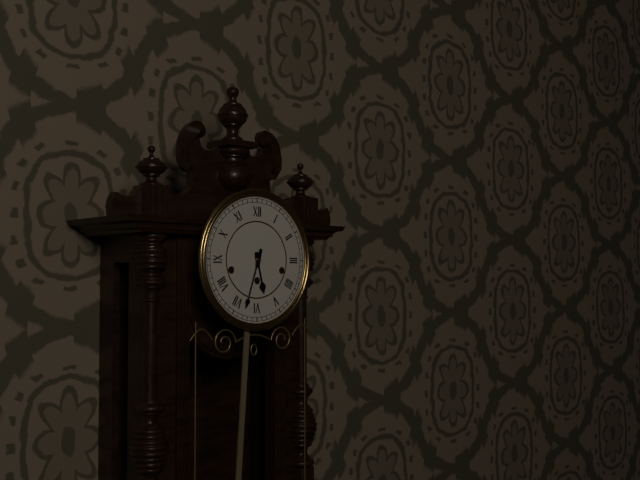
h=5 m=33
